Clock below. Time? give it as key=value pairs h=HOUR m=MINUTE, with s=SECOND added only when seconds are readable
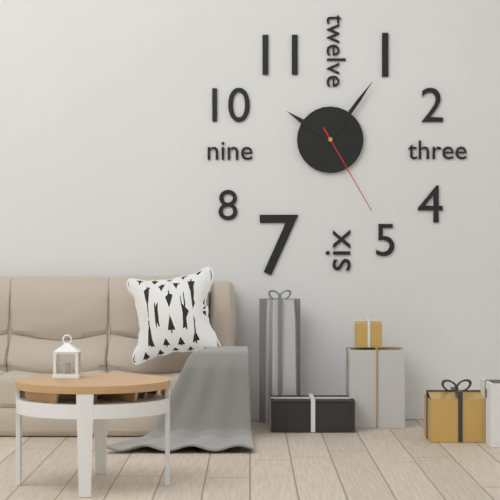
h=10 m=6 s=25
